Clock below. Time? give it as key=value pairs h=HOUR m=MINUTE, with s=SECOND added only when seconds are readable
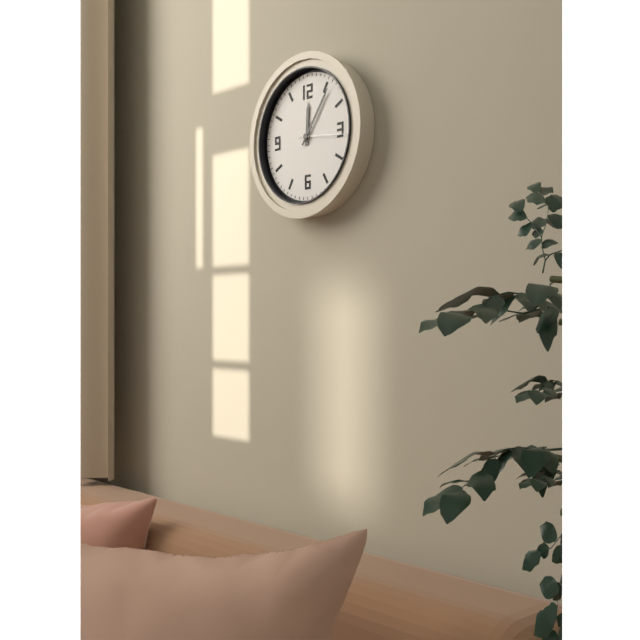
h=12 m=6
